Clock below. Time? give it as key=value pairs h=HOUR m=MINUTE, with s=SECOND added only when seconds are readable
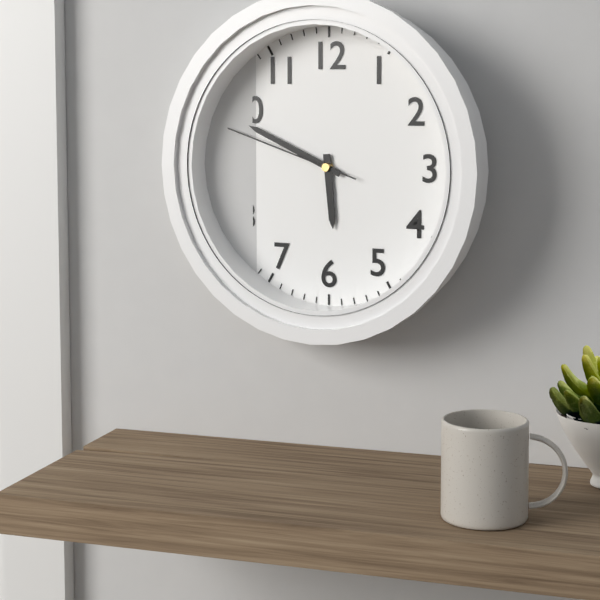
h=5 m=49 s=48
